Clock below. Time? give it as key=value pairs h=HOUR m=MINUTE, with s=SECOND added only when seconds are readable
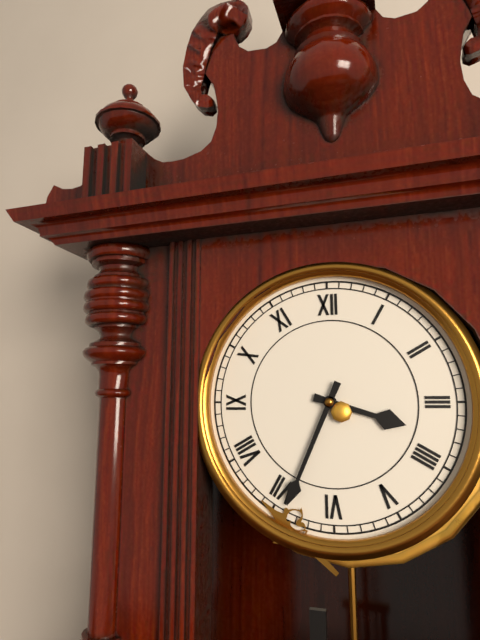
h=3 m=34
